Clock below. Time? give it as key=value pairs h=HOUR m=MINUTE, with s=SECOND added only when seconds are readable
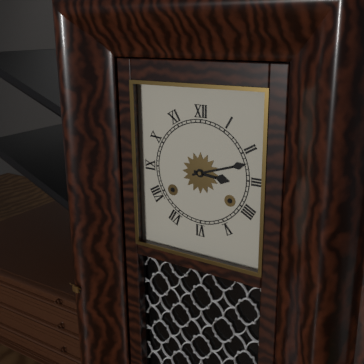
h=3 m=12
